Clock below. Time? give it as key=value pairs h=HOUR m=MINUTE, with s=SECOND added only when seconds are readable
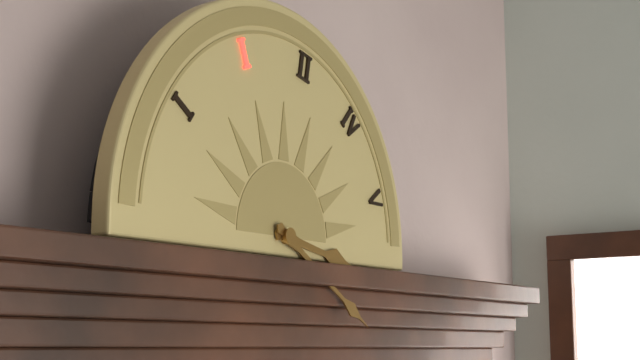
h=3 m=20
